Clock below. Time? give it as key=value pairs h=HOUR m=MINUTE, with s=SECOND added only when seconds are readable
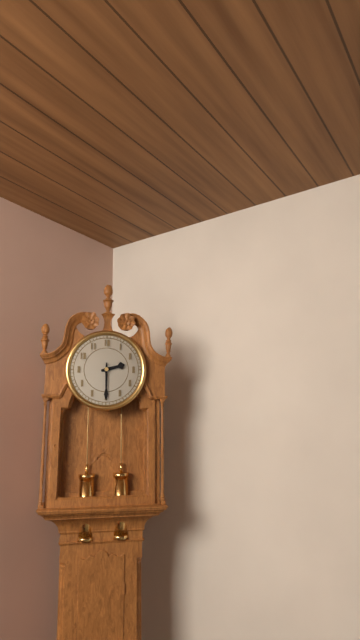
h=2 m=30
